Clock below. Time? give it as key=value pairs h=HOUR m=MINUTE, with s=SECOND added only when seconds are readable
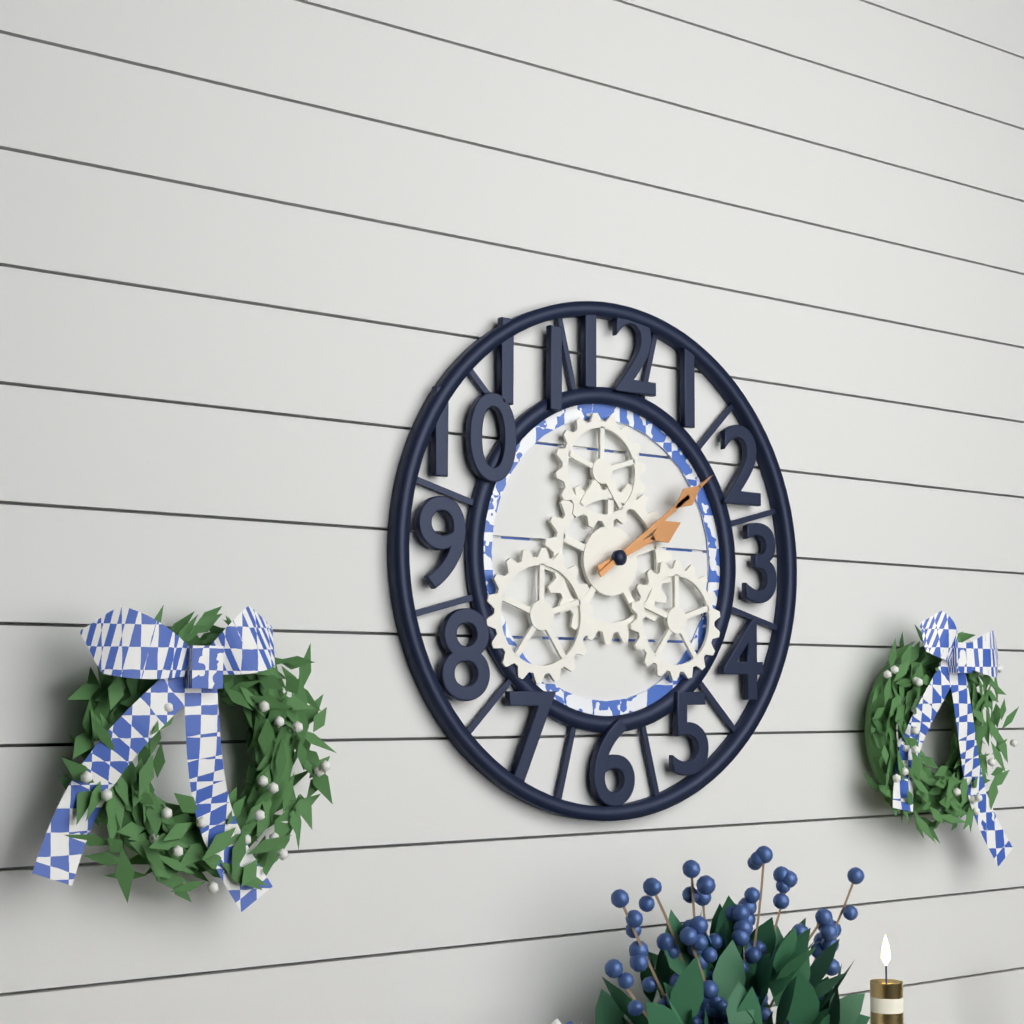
h=2 m=9
